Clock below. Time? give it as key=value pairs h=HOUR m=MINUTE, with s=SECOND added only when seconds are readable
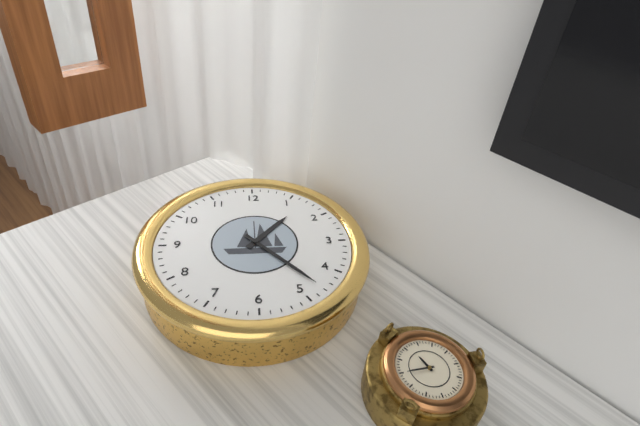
h=1 m=23
